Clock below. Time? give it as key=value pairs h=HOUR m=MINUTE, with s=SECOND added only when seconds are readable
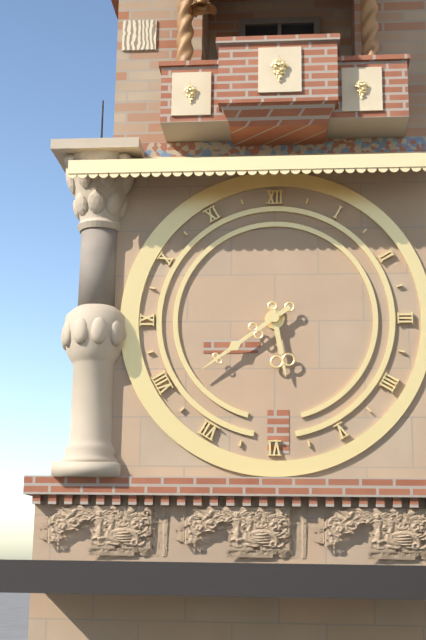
h=5 m=39
